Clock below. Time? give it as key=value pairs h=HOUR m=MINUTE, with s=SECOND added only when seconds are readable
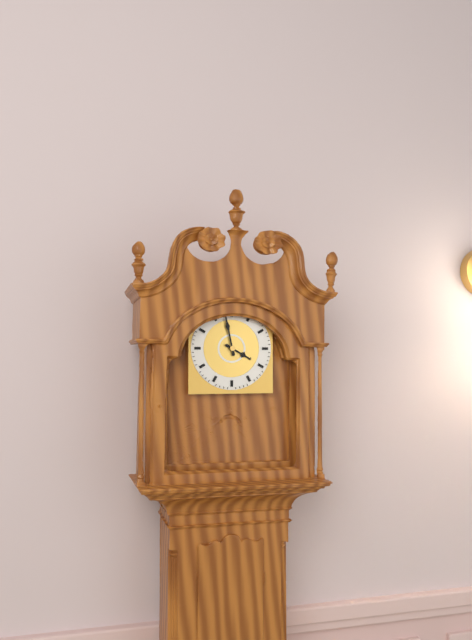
h=3 m=58
